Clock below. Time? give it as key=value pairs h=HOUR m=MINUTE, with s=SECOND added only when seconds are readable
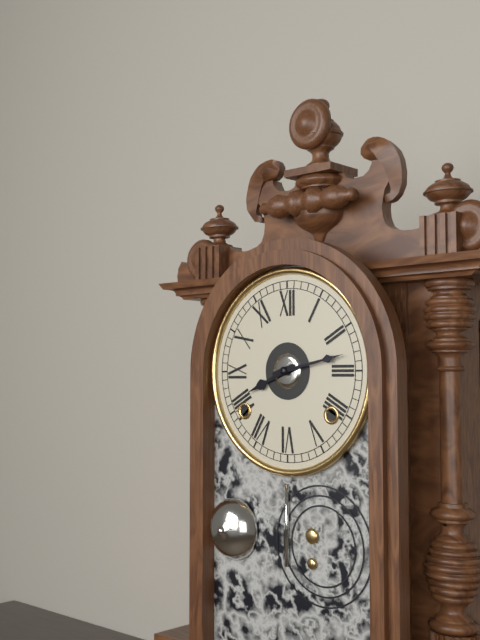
h=8 m=13
